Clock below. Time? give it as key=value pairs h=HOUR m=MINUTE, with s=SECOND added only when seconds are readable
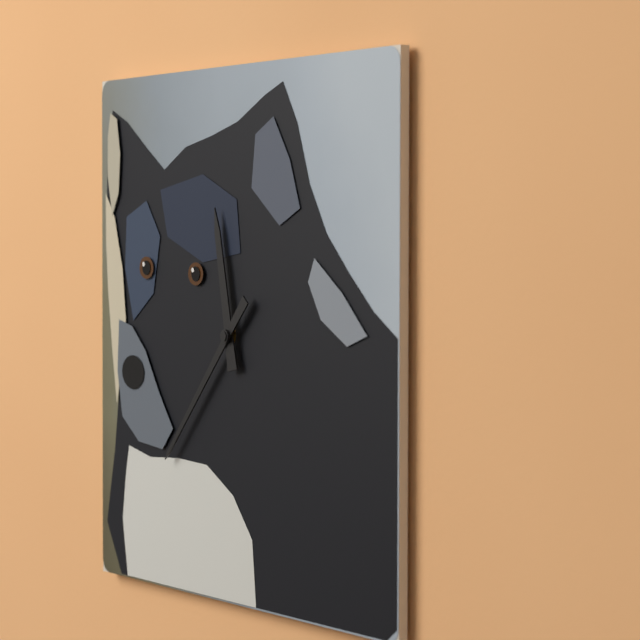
h=11 m=37
